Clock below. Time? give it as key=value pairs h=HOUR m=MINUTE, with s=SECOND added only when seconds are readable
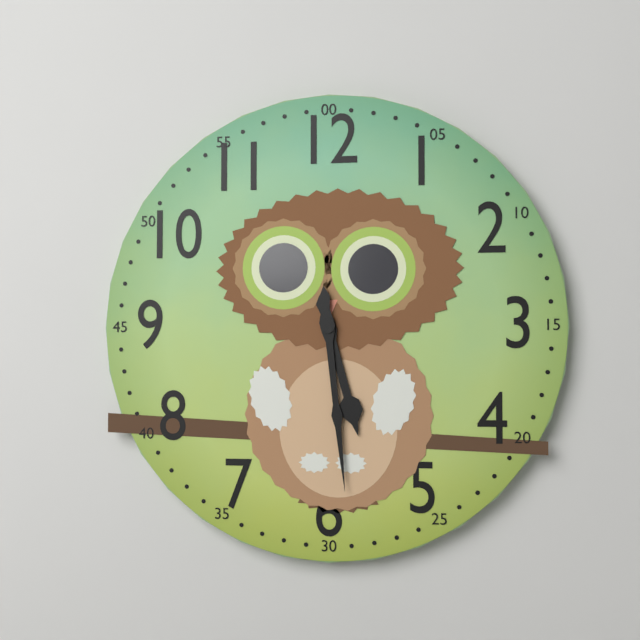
h=5 m=29
